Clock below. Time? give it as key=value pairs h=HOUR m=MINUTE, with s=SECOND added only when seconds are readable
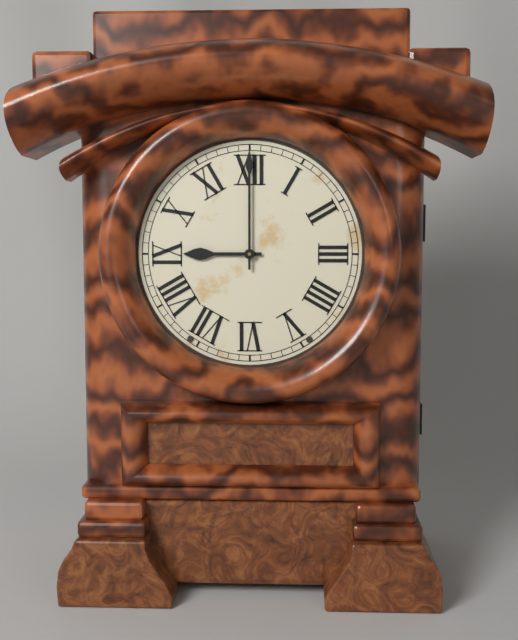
h=9 m=0
